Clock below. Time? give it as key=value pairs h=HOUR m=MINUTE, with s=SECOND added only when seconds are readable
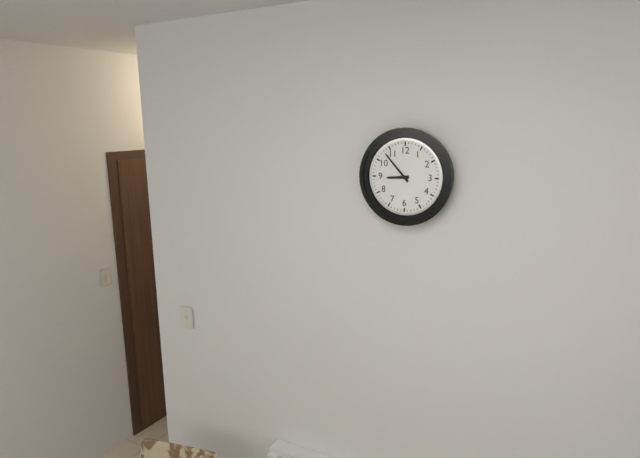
h=8 m=53
